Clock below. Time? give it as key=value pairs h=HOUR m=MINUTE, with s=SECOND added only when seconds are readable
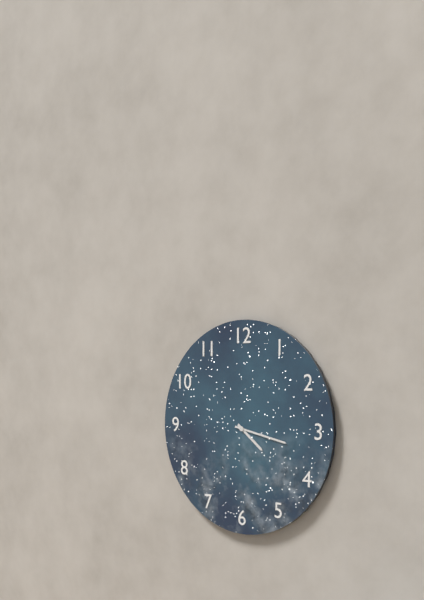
h=4 m=17
